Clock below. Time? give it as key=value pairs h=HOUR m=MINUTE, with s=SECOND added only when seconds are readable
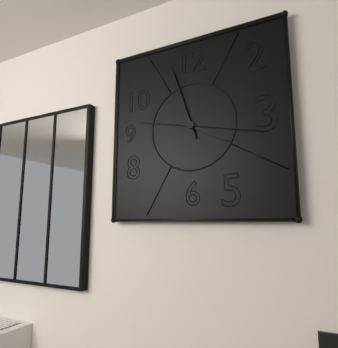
h=3 m=57 s=17
